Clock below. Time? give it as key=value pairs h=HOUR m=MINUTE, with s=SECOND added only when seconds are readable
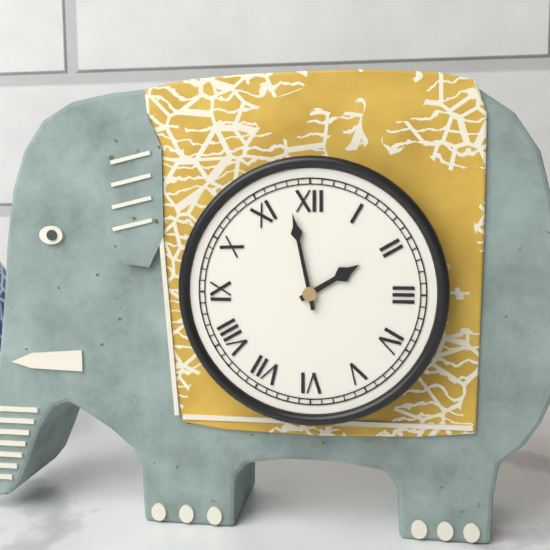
h=1 m=58
